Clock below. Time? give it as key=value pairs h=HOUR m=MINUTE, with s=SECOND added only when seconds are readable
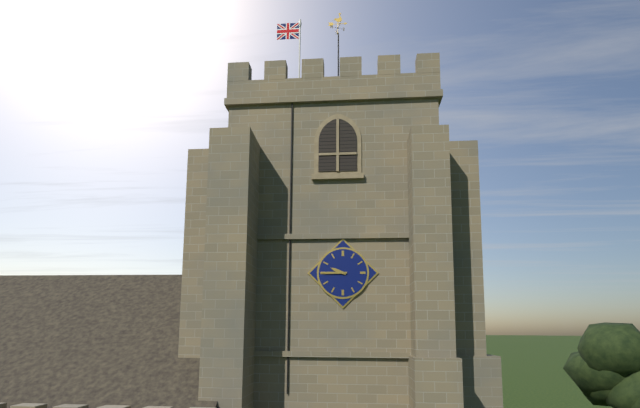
h=9 m=45
